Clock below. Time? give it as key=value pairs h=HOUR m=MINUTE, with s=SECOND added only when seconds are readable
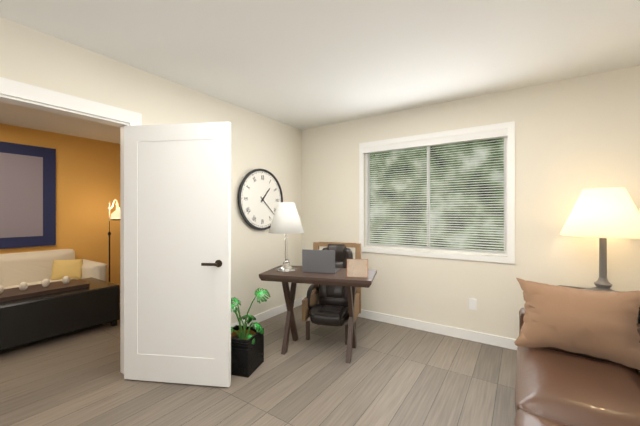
h=1 m=22
